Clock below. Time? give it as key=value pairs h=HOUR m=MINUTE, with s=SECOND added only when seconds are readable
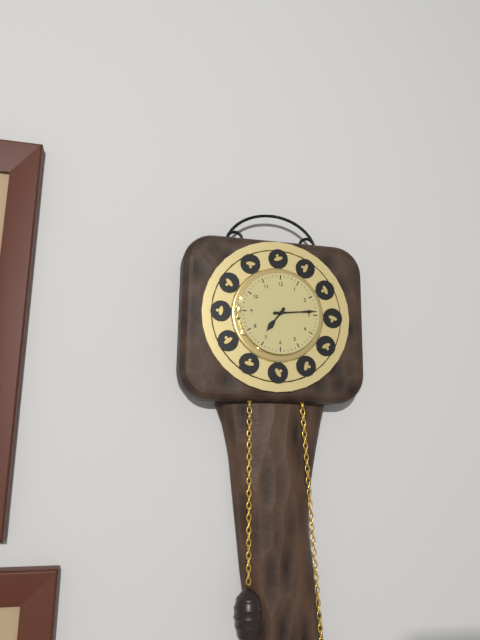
h=7 m=14
